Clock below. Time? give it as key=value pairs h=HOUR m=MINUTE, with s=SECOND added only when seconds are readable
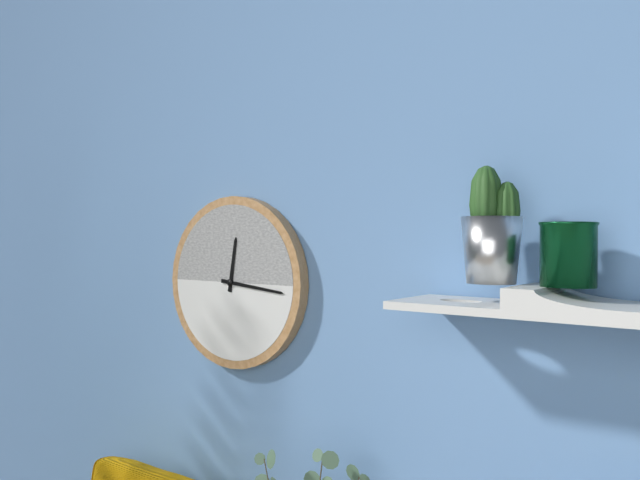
h=12 m=16
